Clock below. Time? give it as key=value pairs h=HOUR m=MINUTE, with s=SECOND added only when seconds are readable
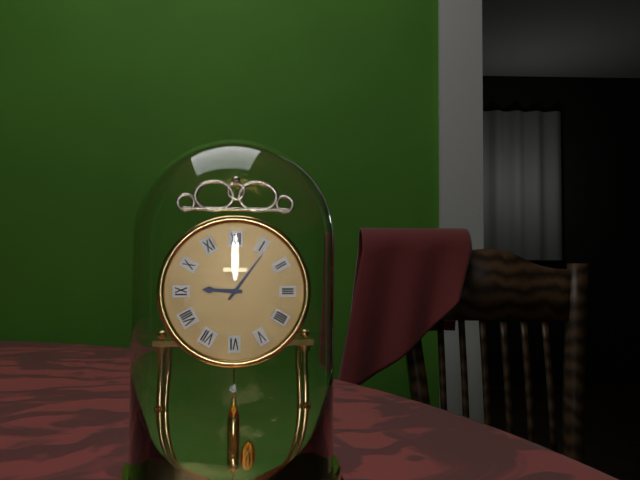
h=9 m=6
